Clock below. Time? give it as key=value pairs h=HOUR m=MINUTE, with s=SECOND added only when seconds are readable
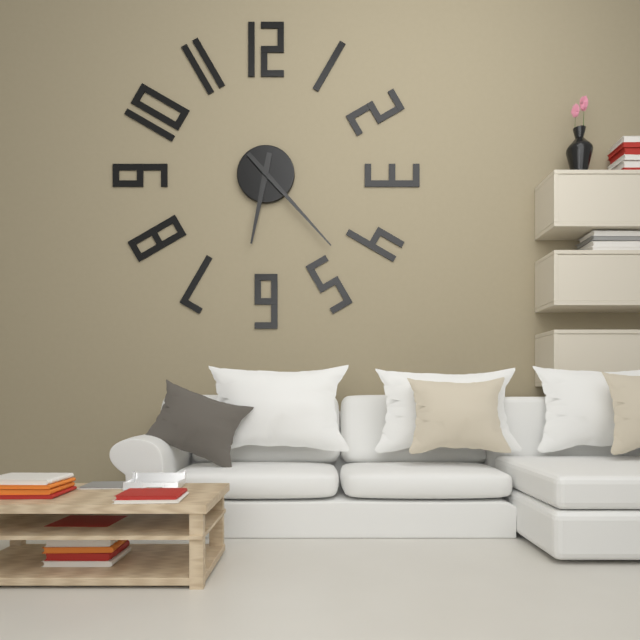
h=6 m=23
